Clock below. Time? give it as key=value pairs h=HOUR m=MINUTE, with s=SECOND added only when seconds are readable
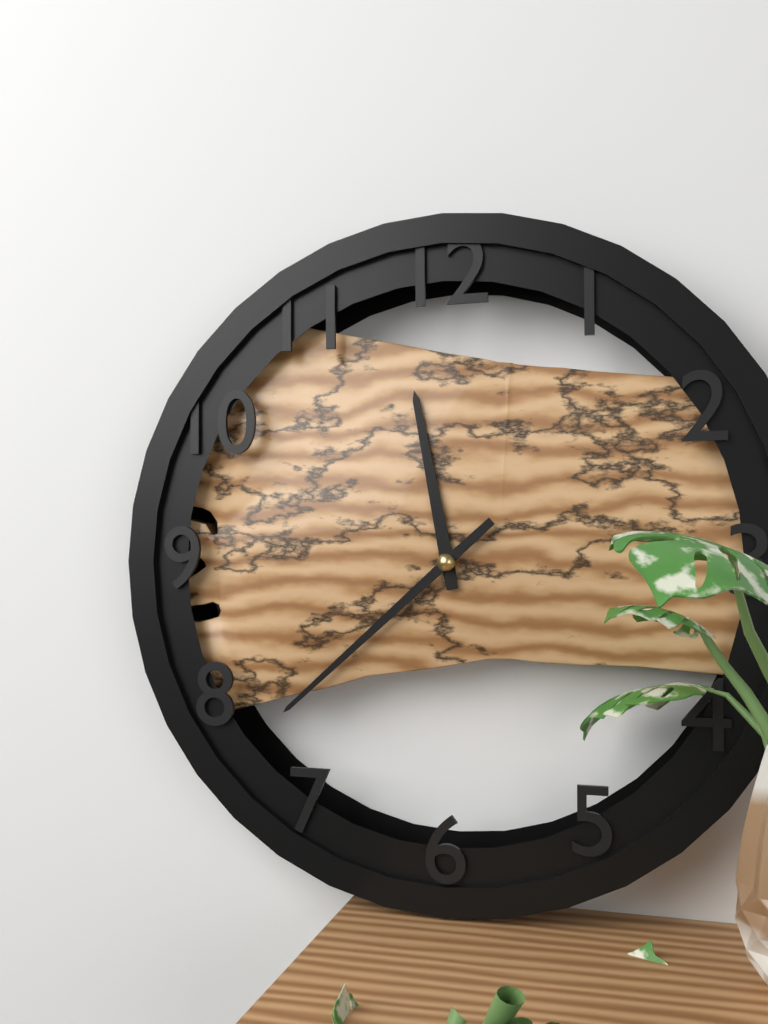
h=11 m=38
